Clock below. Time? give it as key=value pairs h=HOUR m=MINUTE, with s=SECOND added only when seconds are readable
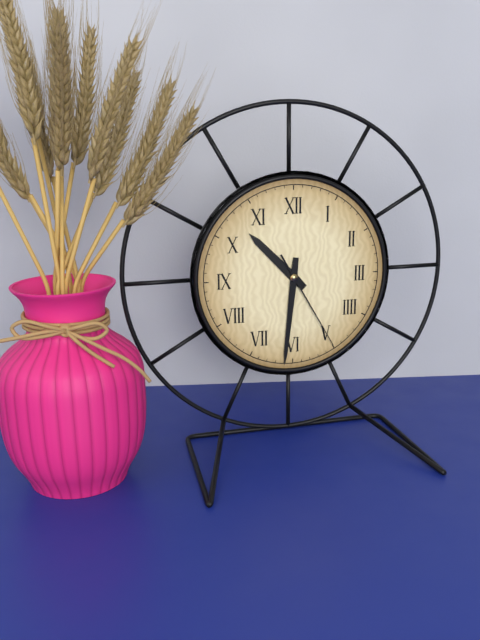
h=10 m=31 s=25
